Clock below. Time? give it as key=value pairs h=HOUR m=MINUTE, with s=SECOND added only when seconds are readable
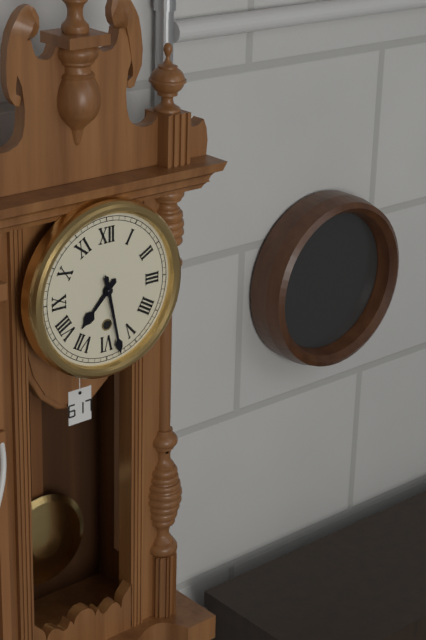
h=7 m=28
